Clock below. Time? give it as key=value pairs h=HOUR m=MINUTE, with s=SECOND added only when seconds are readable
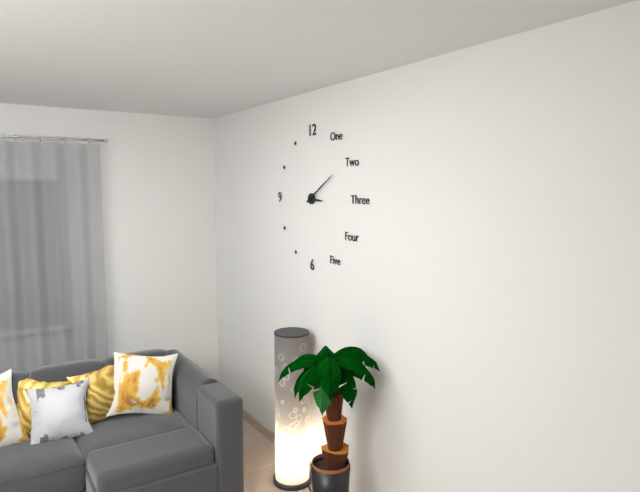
h=3 m=10
